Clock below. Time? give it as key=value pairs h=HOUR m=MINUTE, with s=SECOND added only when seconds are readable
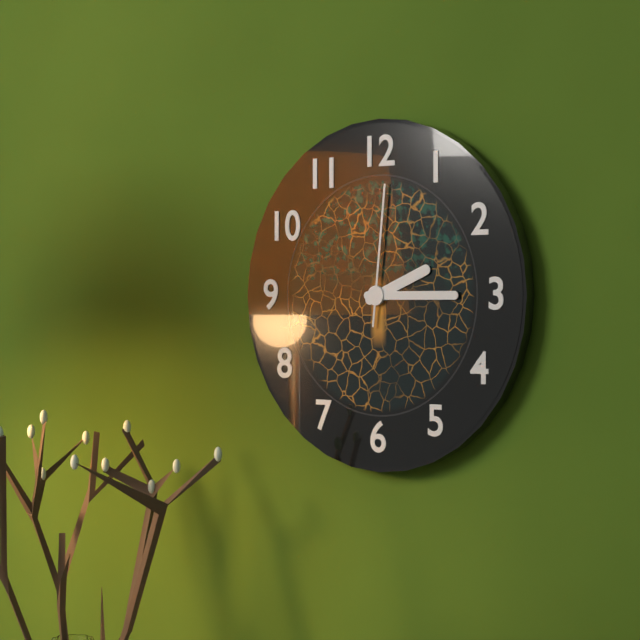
h=2 m=15 s=1
